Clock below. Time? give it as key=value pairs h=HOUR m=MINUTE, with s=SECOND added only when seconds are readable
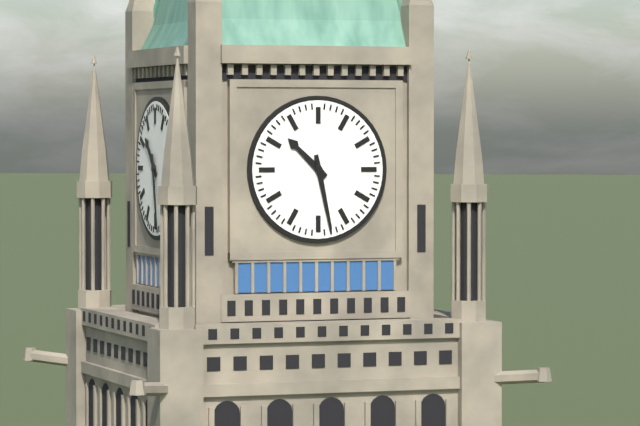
h=10 m=28
